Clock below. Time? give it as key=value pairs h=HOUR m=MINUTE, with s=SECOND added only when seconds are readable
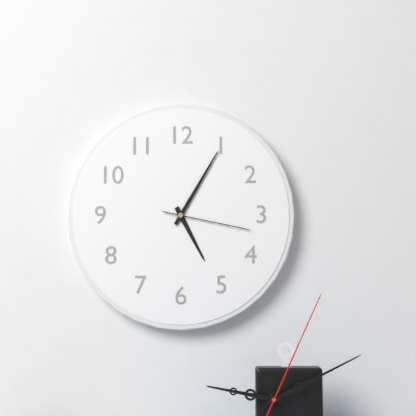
h=5 m=5 s=17
